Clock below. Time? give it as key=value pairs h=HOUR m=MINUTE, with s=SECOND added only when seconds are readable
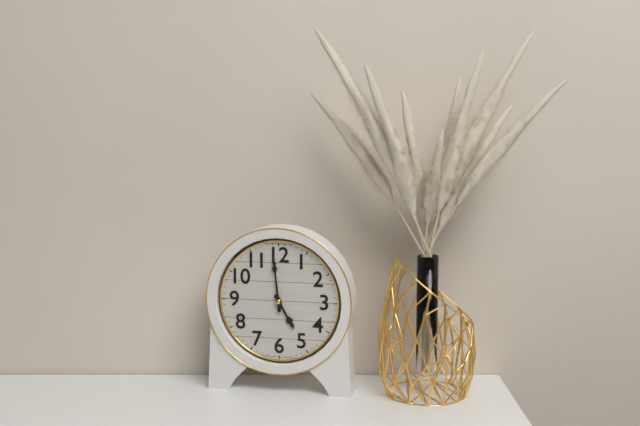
h=4 m=59
